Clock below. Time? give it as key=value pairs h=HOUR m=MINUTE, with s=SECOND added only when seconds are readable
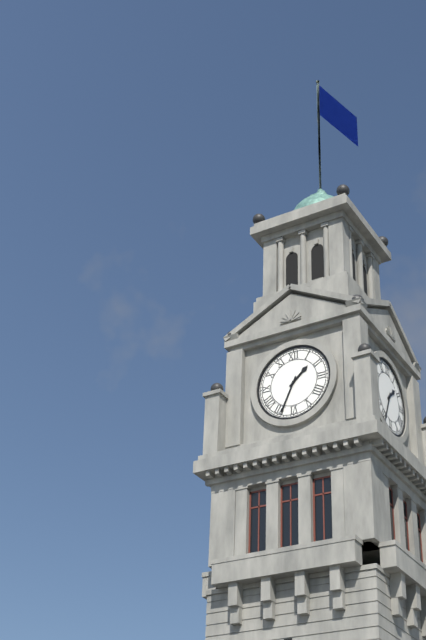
h=1 m=34
